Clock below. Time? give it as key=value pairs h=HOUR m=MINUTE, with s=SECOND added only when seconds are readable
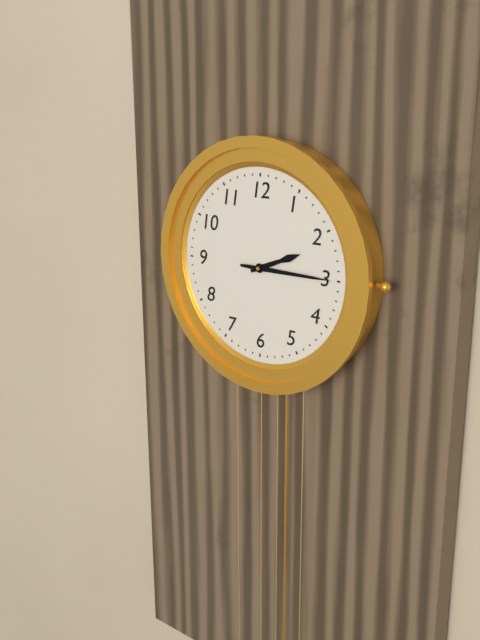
h=2 m=15
